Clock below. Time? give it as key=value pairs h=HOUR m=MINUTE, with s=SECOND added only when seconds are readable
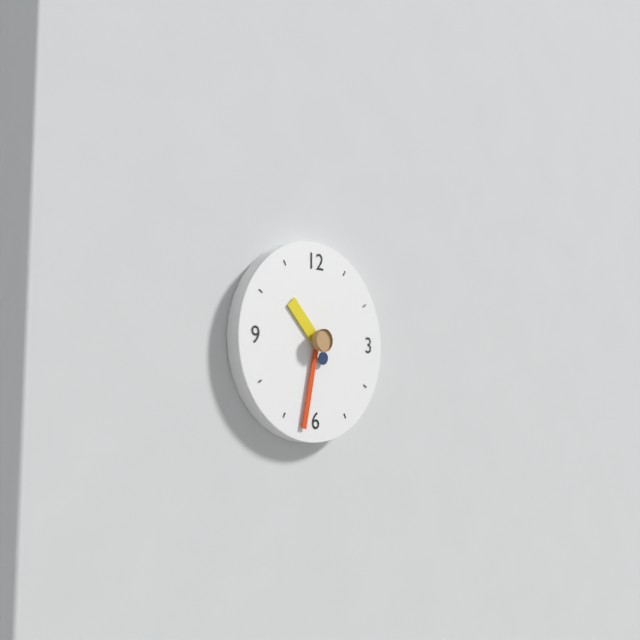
h=10 m=32
